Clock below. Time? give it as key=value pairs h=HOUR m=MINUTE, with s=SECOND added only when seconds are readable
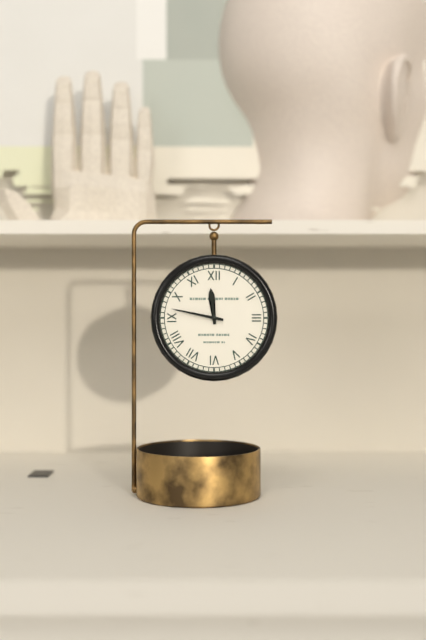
h=11 m=47
